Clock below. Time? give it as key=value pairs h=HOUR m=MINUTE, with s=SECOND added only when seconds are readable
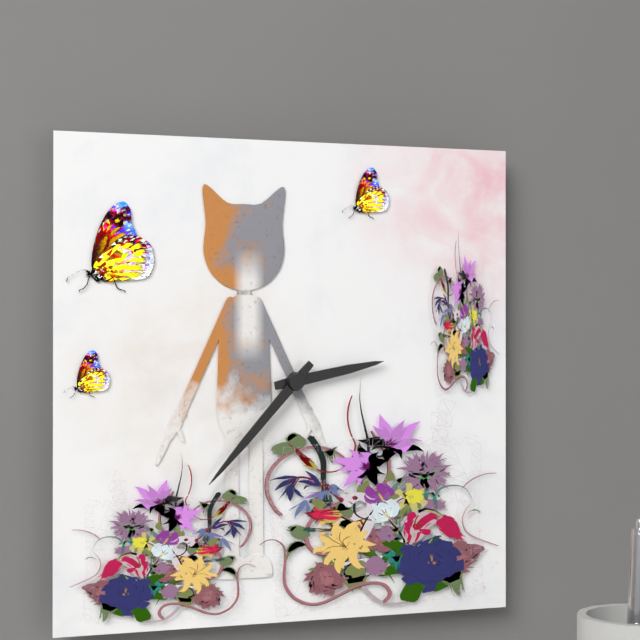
h=2 m=37
